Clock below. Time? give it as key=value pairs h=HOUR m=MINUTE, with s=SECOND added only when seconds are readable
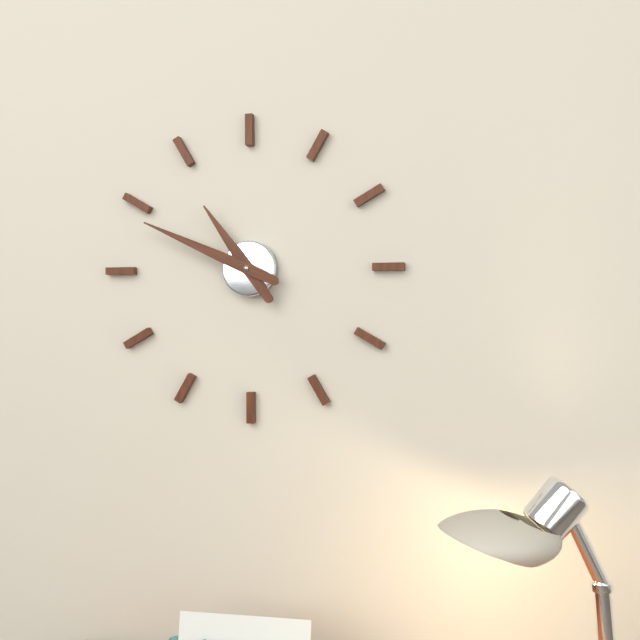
h=10 m=49
